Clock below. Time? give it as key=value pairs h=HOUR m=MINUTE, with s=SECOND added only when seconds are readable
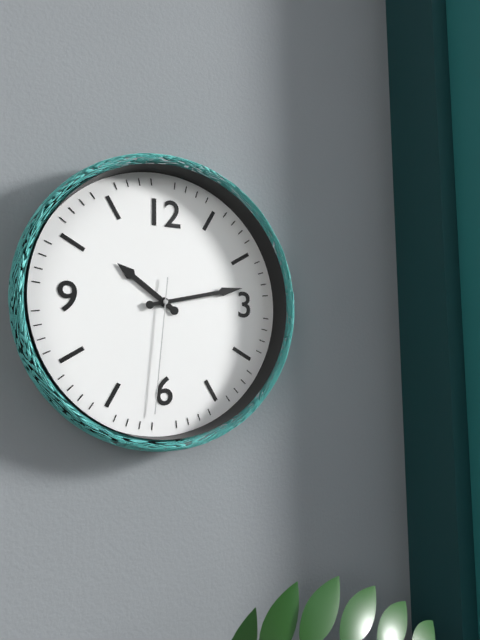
h=10 m=13 s=31
